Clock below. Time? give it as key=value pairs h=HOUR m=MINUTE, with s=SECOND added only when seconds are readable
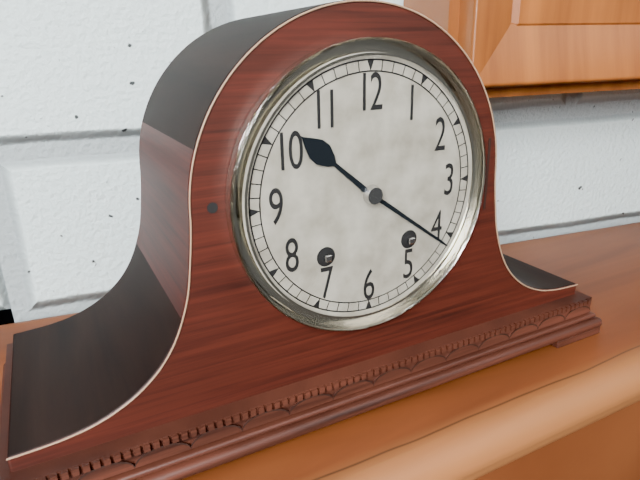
h=10 m=21
